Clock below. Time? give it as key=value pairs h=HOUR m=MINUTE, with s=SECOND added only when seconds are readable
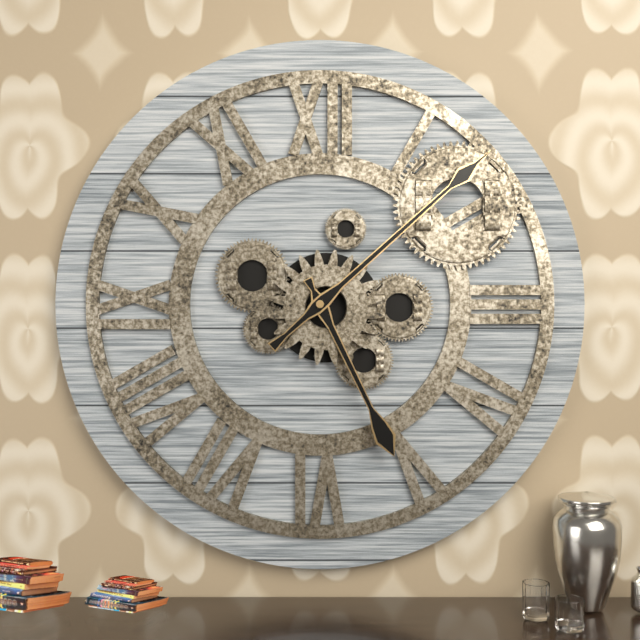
h=5 m=8
